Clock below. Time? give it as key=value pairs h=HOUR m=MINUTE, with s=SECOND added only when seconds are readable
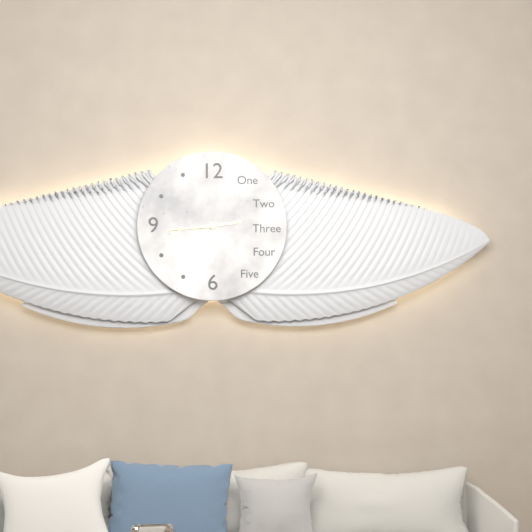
h=2 m=44
